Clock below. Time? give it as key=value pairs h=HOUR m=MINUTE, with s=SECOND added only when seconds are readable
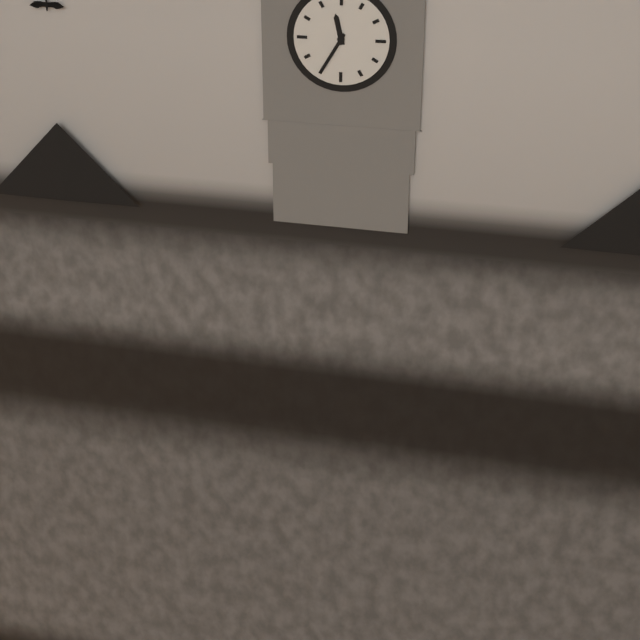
h=11 m=35
